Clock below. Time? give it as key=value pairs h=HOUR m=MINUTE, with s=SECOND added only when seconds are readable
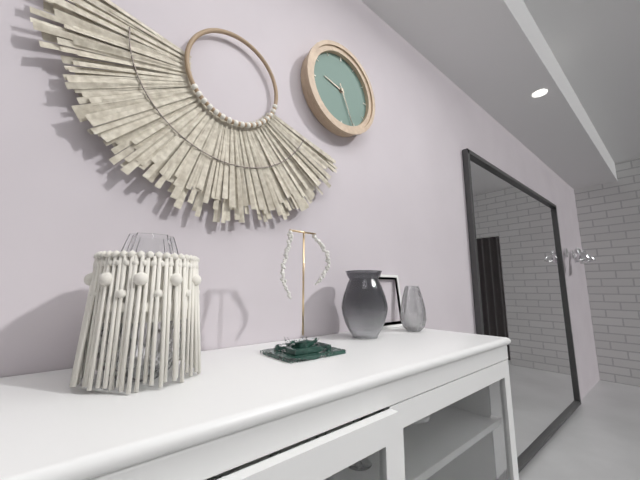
h=9 m=26
